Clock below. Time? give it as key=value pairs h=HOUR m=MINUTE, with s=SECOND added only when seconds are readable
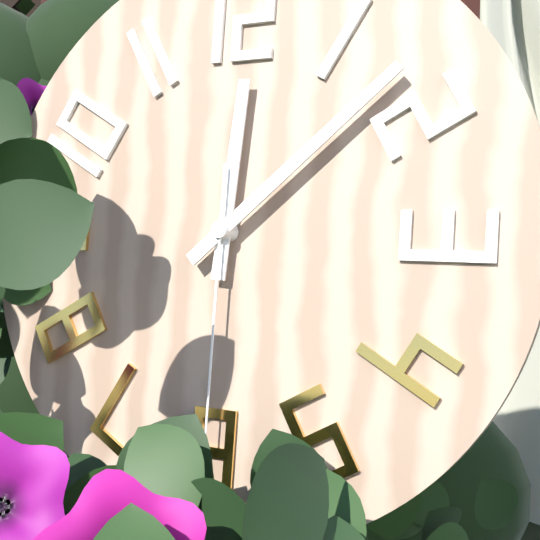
h=12 m=8 s=30
